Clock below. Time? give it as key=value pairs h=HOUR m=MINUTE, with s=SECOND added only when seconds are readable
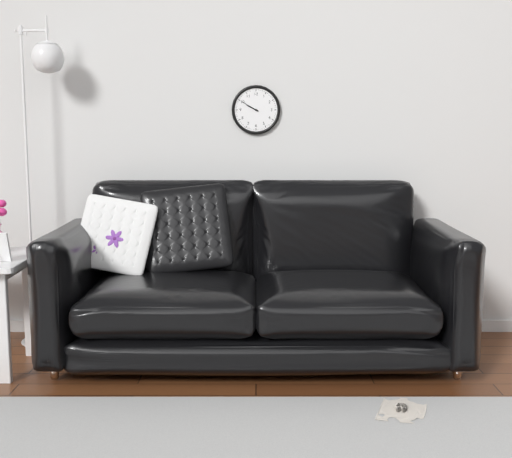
h=9 m=50
